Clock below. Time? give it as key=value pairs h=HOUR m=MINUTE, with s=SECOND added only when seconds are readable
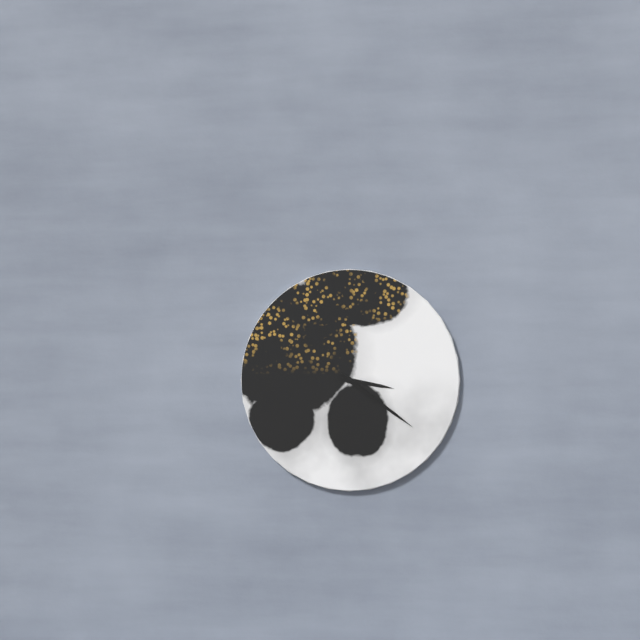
h=3 m=21
